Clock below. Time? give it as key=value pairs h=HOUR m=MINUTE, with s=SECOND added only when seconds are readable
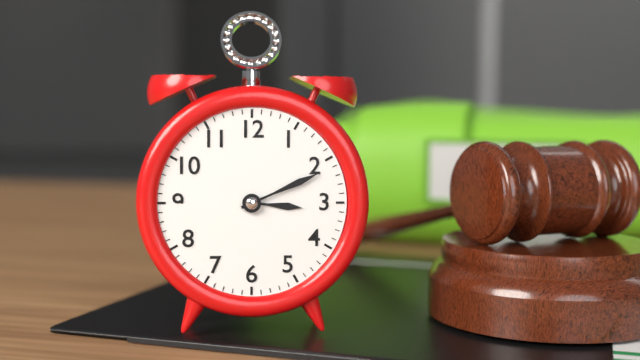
h=3 m=11
